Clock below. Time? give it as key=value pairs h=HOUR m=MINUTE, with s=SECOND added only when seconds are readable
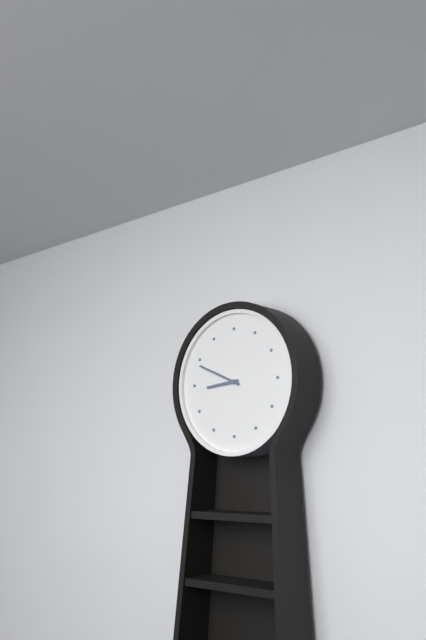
h=8 m=49
